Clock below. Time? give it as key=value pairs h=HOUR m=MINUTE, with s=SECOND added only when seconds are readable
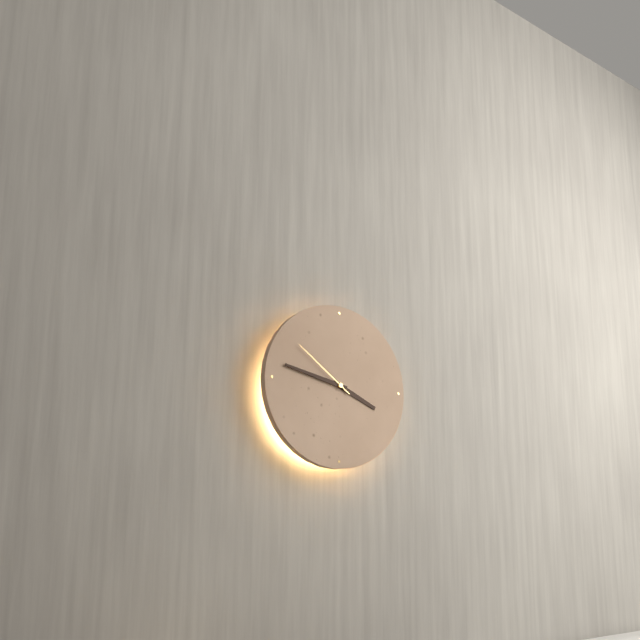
h=3 m=47 s=51
